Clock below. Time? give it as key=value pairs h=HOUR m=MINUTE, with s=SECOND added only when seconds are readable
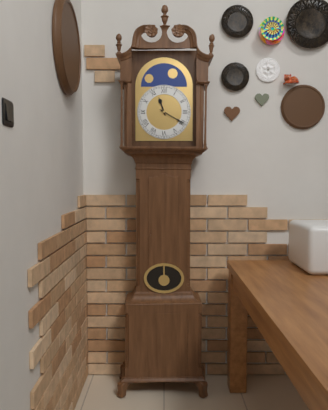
h=11 m=20
